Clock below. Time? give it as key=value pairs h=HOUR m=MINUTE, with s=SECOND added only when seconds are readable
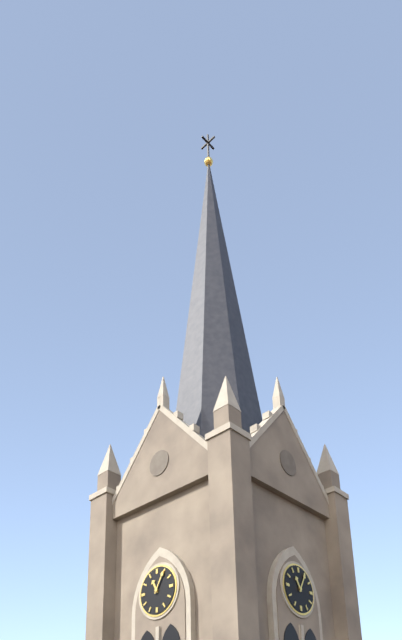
h=11 m=5
